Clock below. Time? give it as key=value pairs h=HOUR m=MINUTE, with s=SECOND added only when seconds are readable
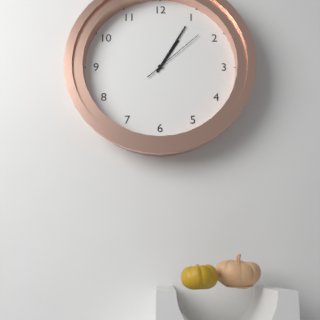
h=1 m=5 s=8
